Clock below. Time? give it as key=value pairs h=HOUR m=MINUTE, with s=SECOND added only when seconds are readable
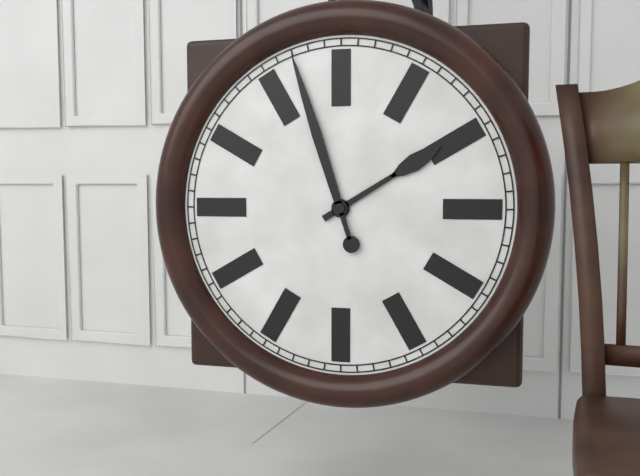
h=1 m=57
